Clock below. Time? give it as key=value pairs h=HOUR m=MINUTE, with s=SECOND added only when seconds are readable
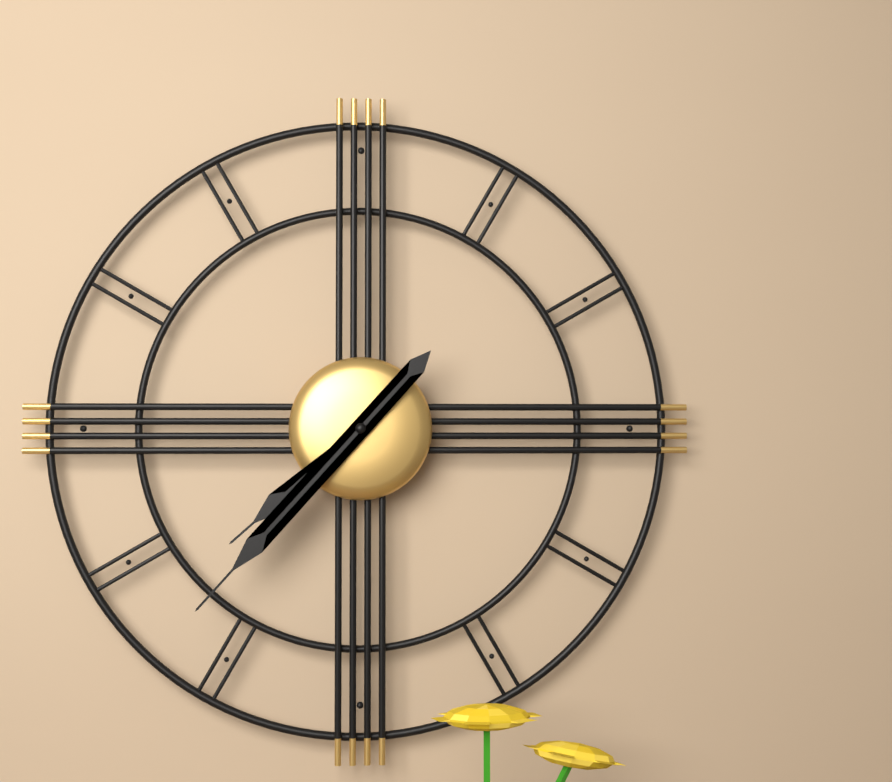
h=7 m=37
